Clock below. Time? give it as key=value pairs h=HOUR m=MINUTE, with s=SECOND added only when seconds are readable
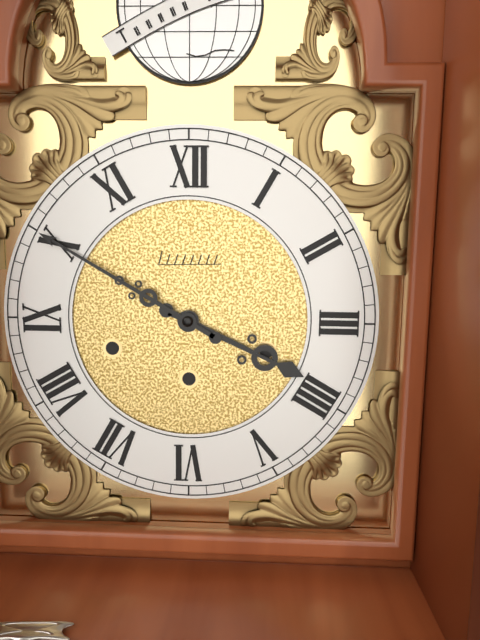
h=3 m=50
